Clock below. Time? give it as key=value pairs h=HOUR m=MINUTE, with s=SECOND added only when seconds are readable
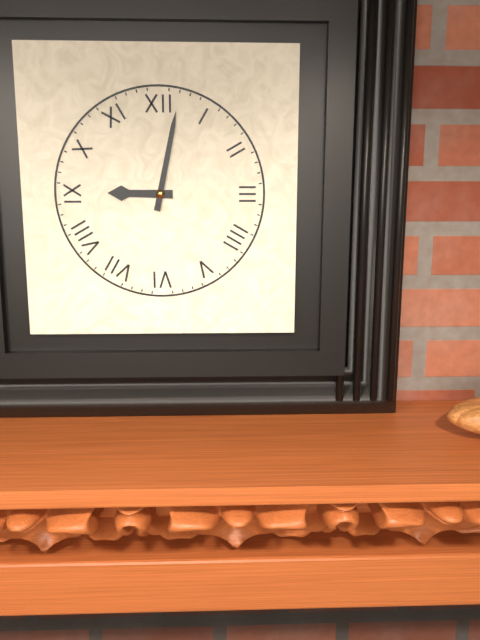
h=9 m=2
